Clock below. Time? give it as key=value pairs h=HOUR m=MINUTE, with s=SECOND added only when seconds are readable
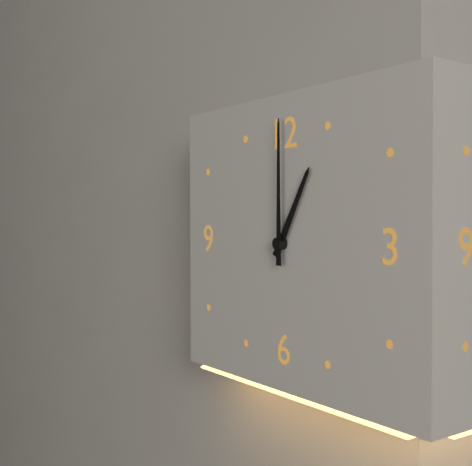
h=1 m=0
